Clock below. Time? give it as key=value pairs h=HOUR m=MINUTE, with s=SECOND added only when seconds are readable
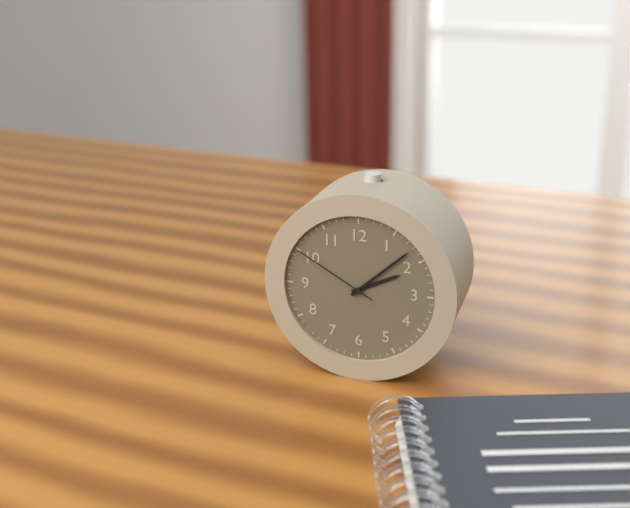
h=2 m=8 s=50
